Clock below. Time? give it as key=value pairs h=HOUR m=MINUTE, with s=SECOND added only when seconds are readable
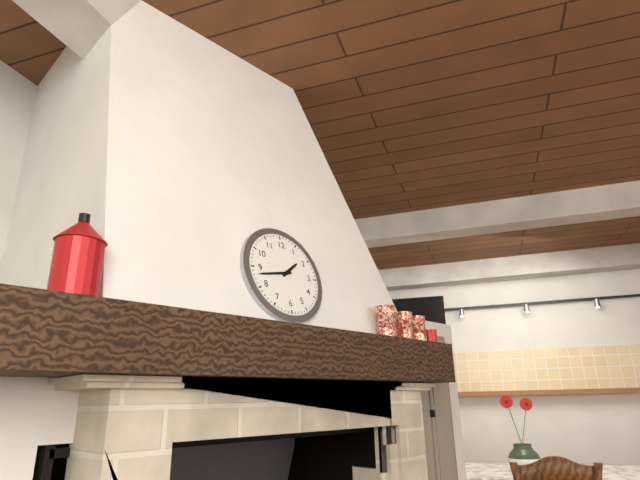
h=1 m=43
